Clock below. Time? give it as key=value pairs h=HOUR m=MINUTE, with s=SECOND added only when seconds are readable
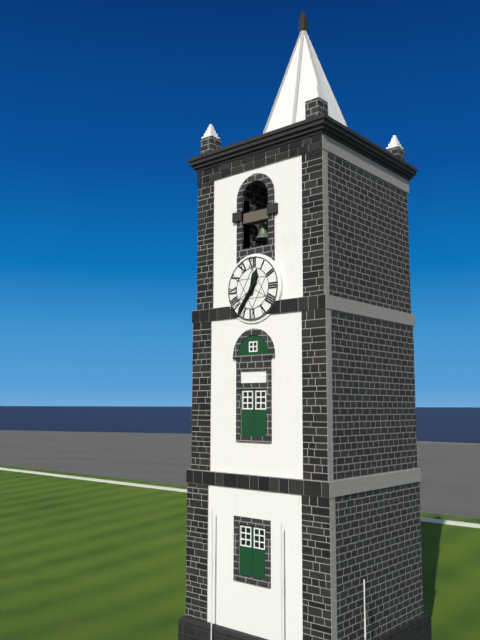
h=12 m=36
